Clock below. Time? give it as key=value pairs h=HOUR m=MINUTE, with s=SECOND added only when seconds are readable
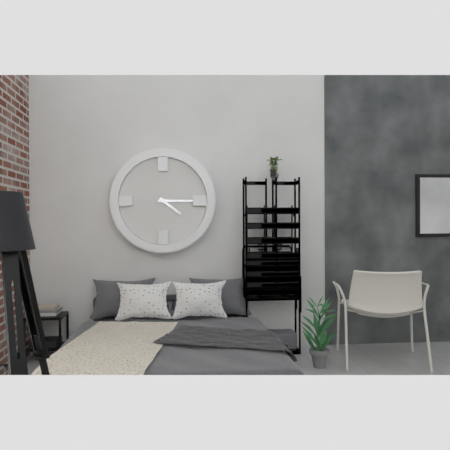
h=4 m=15
